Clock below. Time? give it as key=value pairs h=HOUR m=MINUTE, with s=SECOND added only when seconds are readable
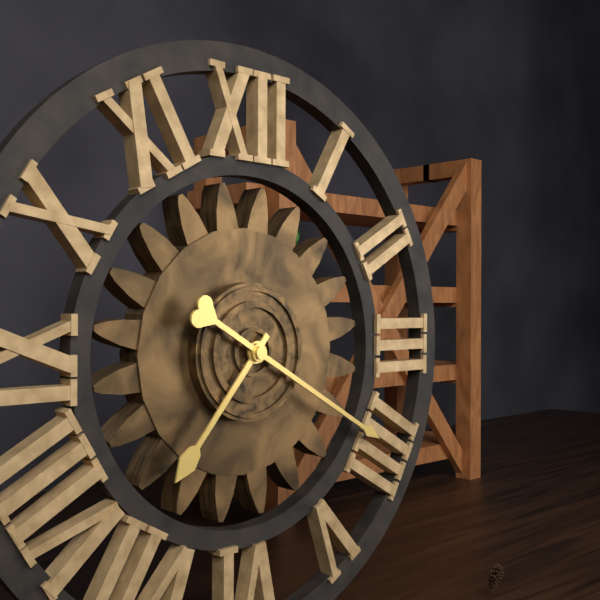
h=7 m=20
